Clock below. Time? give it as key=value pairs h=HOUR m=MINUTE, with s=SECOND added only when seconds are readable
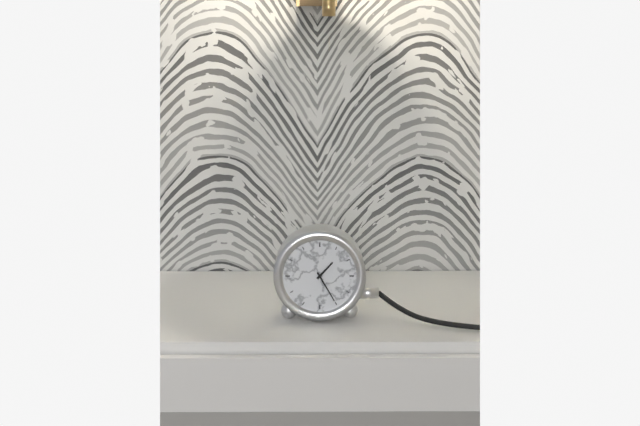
h=1 m=25
